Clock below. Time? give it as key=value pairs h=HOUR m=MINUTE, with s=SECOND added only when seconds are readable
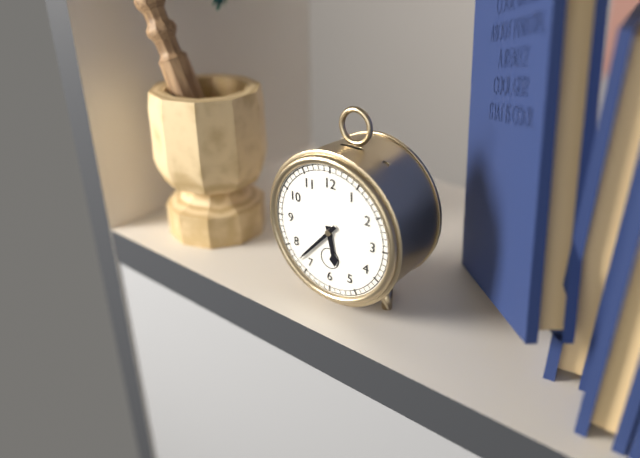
h=5 m=37
